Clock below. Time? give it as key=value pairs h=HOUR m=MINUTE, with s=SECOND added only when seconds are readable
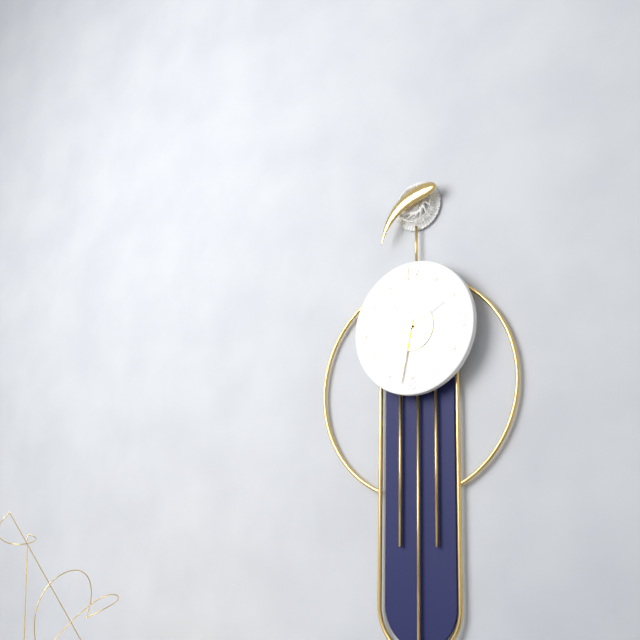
h=10 m=32 s=10
